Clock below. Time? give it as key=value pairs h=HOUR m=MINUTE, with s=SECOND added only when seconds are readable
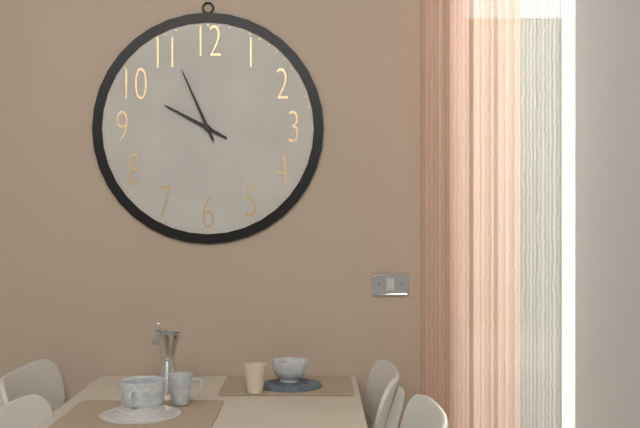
h=9 m=56
